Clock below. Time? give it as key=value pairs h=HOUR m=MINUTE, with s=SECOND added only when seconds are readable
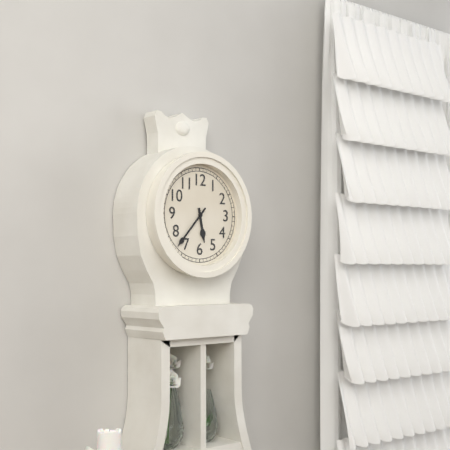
h=5 m=37
